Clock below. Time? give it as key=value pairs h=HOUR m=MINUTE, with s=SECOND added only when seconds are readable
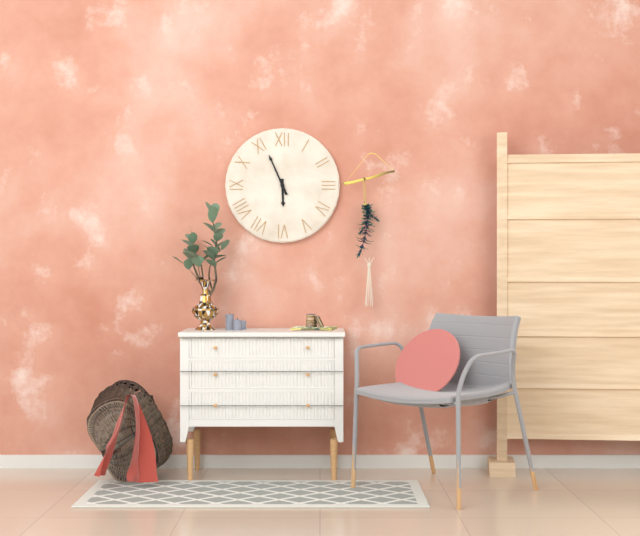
h=5 m=56
